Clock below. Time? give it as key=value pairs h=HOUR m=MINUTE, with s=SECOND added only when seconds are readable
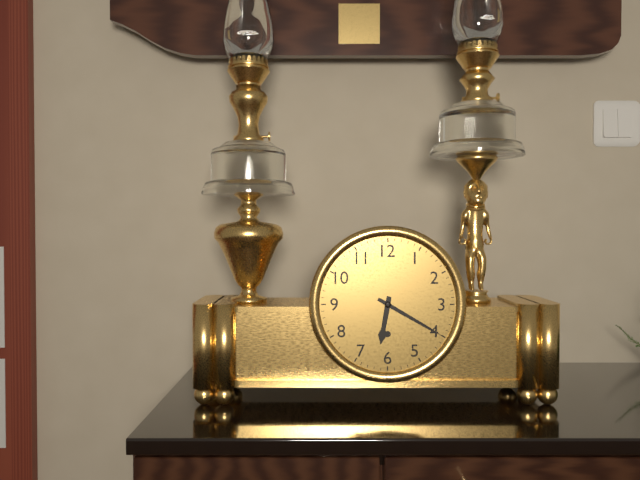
h=6 m=20
